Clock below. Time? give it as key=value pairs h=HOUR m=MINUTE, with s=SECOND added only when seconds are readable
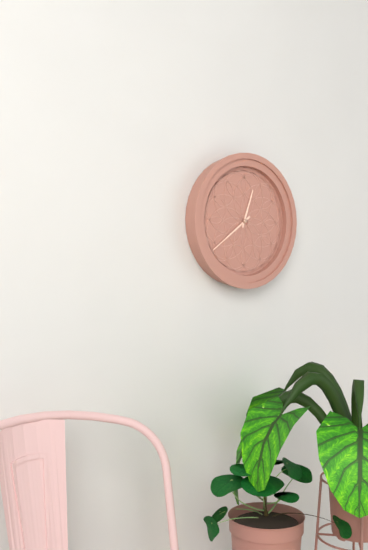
h=12 m=39
